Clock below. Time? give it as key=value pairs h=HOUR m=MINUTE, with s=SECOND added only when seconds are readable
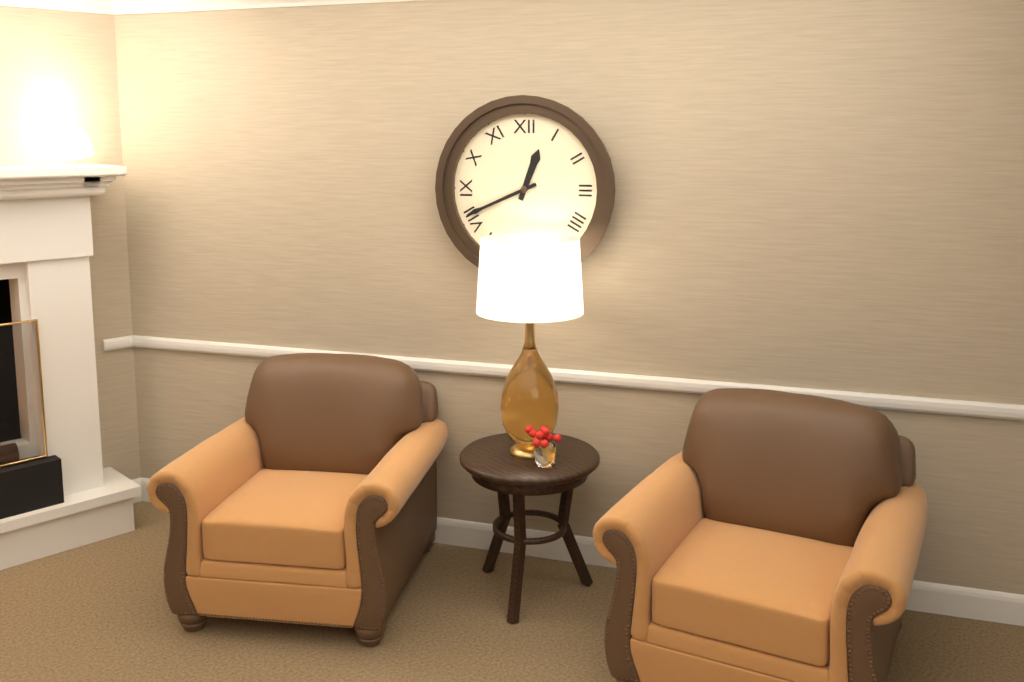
h=12 m=41
